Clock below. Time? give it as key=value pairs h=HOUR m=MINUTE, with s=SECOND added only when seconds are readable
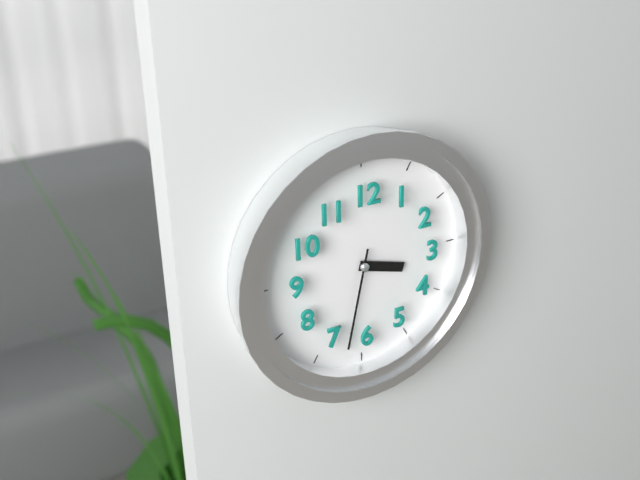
h=3 m=32
